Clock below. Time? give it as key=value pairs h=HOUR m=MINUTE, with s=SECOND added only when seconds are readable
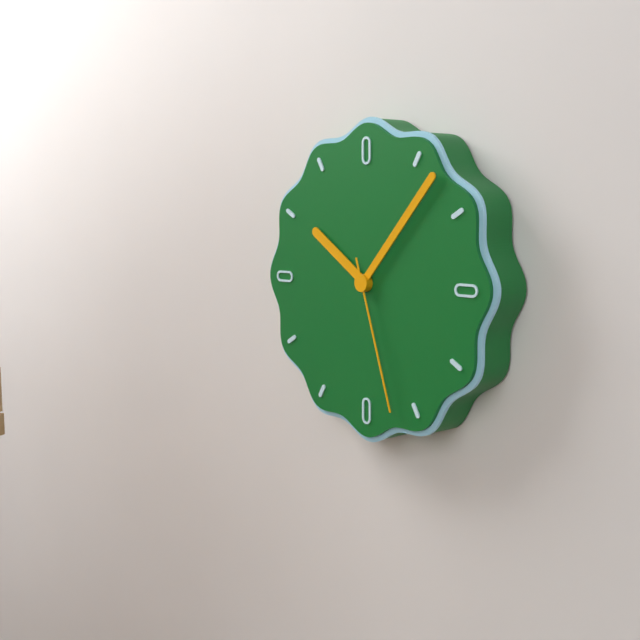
h=10 m=7 s=27
